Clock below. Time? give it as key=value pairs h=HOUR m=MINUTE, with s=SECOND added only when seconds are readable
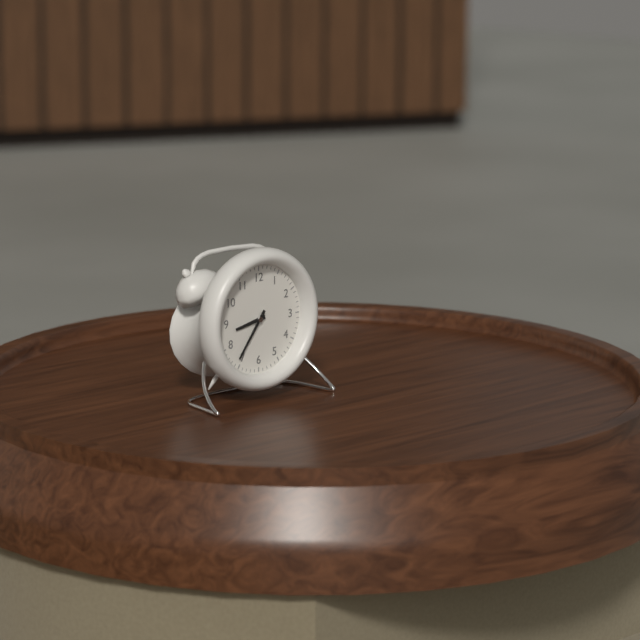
h=8 m=36
